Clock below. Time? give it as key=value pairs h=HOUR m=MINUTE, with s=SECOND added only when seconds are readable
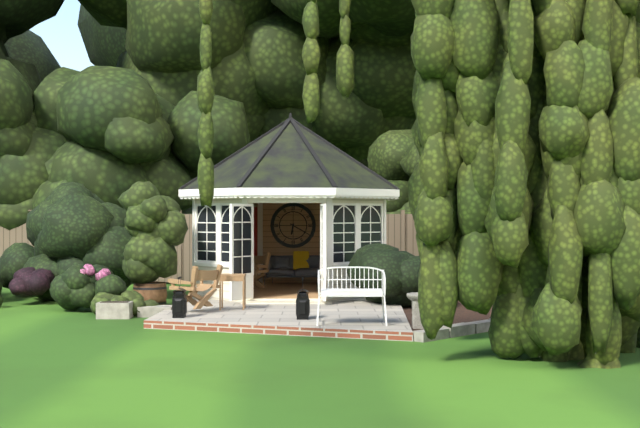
h=6 m=20
